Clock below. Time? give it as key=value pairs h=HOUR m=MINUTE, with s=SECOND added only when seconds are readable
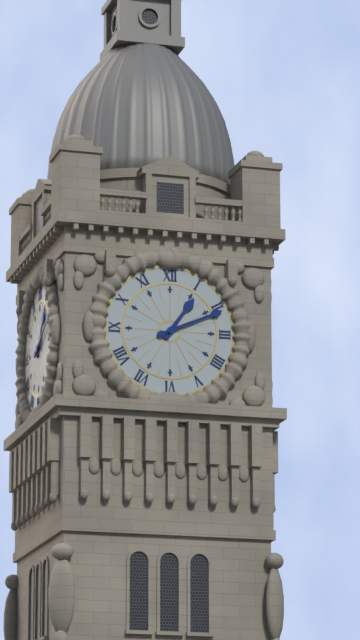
h=1 m=11
